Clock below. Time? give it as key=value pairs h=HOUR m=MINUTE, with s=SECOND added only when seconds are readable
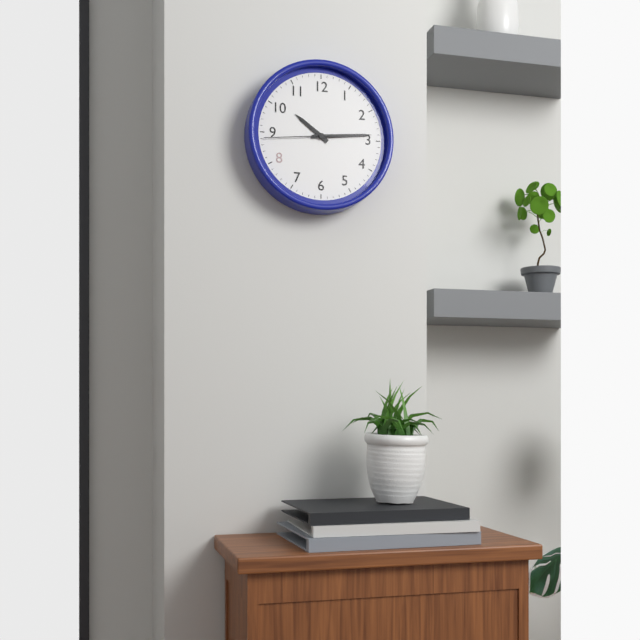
h=10 m=14 s=44
